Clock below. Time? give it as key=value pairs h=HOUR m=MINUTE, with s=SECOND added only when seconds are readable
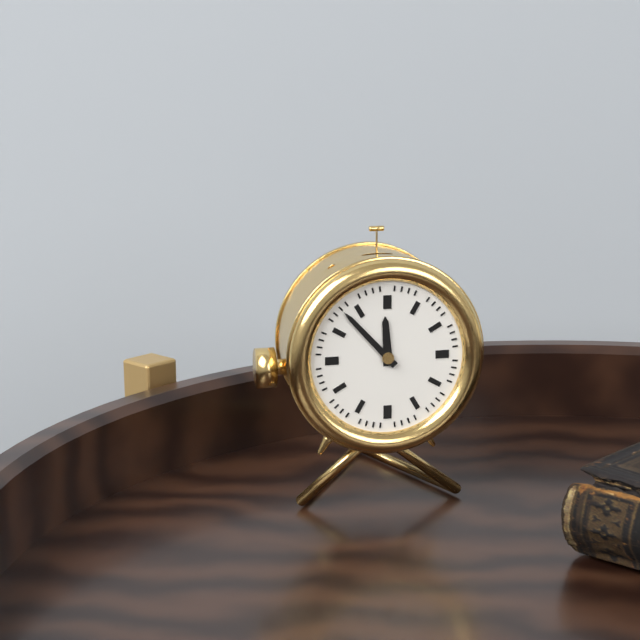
h=11 m=53
